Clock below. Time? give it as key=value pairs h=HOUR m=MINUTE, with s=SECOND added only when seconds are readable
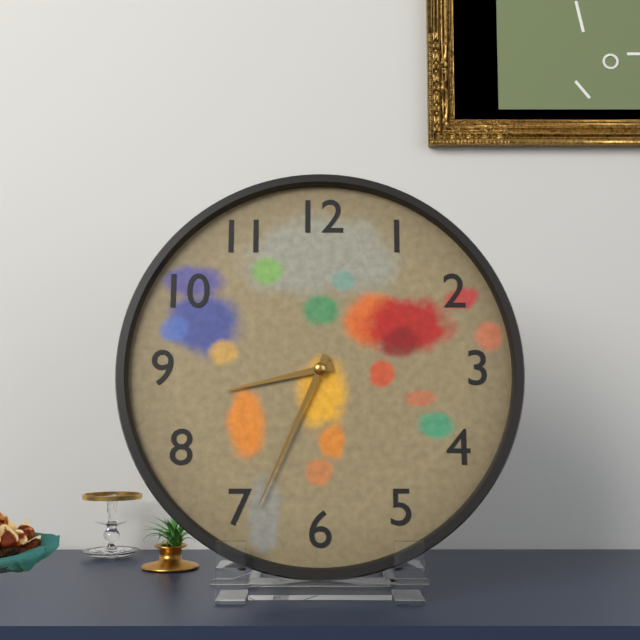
h=8 m=34
